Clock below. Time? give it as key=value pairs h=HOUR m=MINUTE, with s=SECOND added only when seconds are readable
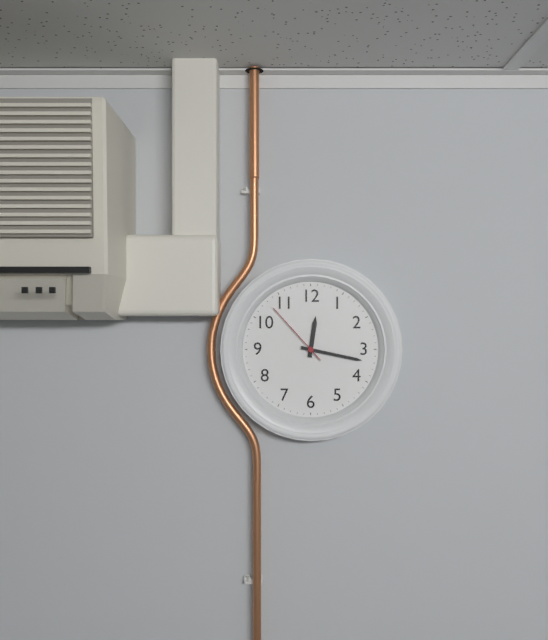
h=12 m=17 s=53
